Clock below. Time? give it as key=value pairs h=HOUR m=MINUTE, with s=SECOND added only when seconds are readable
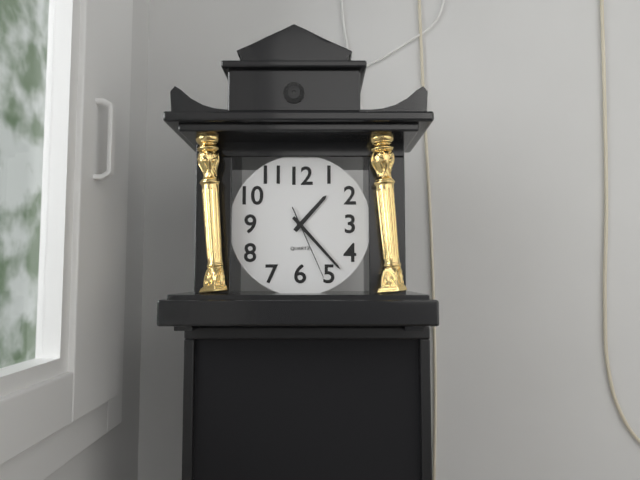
h=1 m=23 s=26
